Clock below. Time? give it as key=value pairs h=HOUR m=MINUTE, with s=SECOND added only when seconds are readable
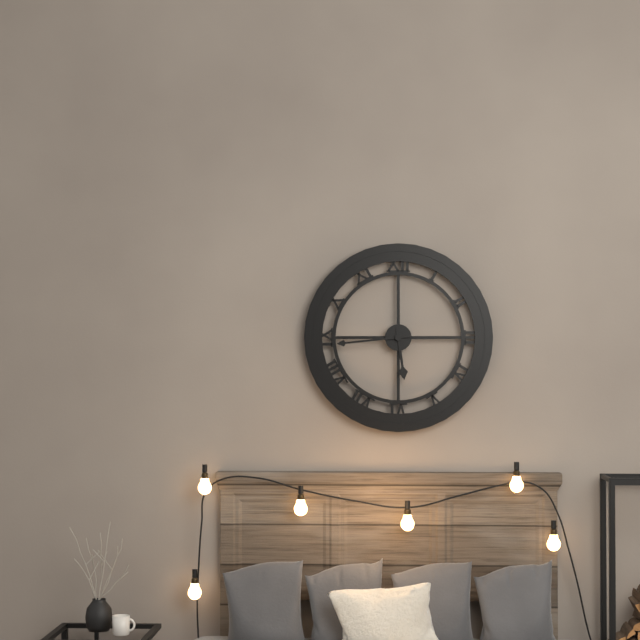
h=5 m=44
